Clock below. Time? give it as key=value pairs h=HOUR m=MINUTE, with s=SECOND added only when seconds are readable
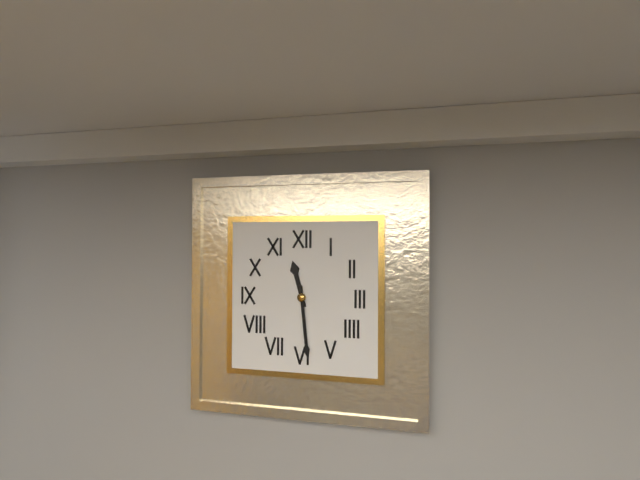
h=11 m=29
